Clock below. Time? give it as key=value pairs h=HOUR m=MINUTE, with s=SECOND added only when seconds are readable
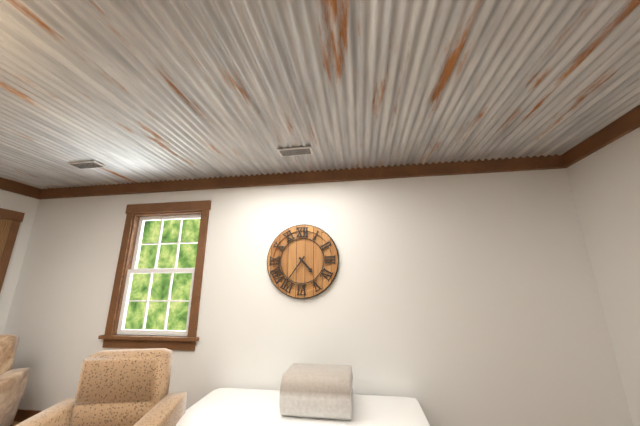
h=4 m=36
